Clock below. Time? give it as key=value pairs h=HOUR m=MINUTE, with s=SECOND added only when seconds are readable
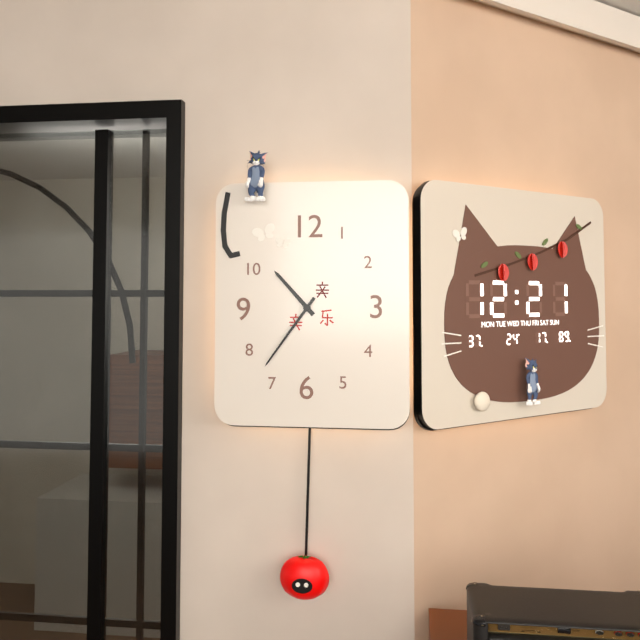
h=10 m=36
